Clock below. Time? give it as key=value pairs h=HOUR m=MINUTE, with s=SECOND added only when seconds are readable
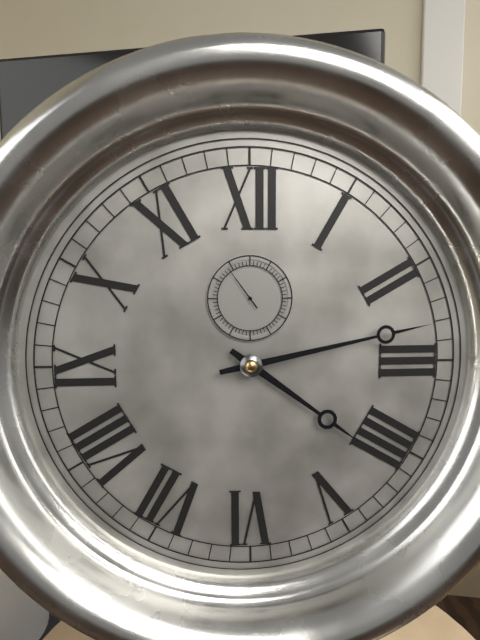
h=4 m=13
